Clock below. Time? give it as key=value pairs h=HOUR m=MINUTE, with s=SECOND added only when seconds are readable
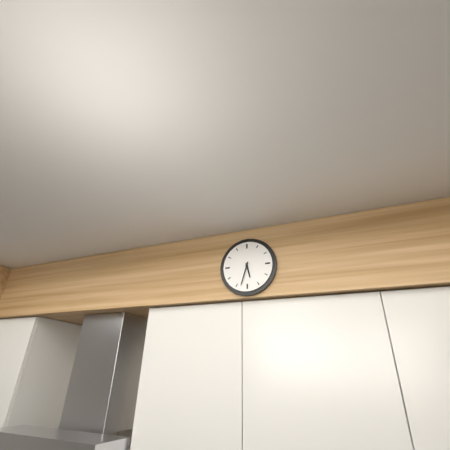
h=5 m=33
